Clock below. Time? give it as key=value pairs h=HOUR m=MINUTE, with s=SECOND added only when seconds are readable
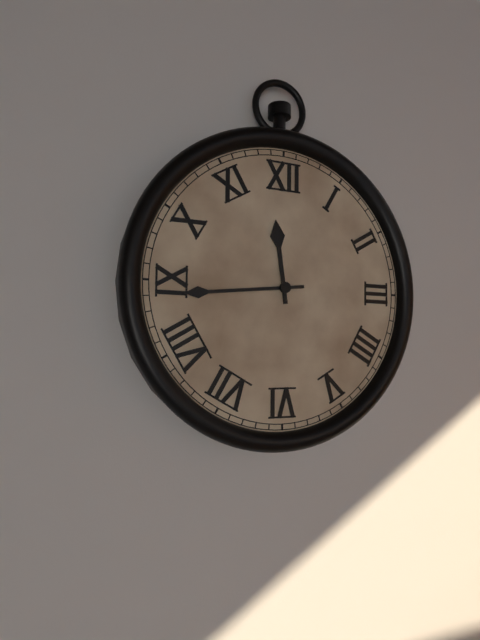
h=11 m=44
